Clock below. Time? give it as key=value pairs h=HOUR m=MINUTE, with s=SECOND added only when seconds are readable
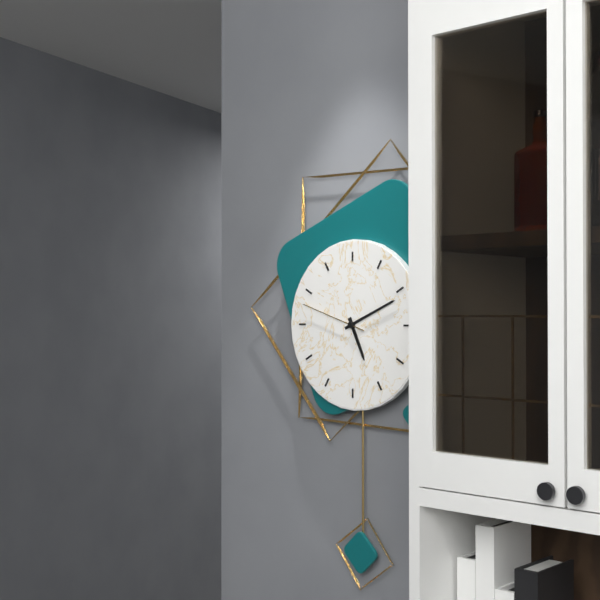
h=5 m=11 s=48
